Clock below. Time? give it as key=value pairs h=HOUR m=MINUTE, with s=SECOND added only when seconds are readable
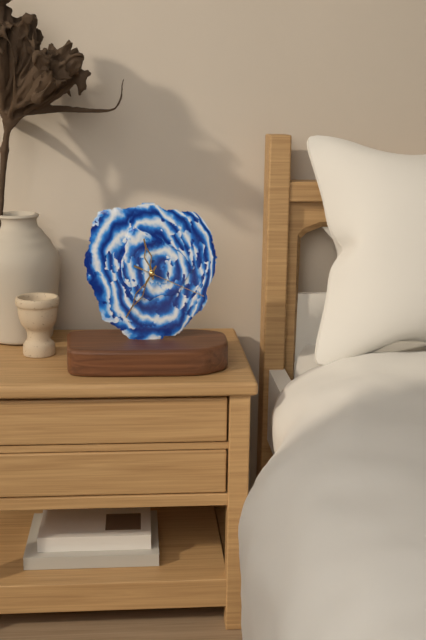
h=11 m=35 s=19
